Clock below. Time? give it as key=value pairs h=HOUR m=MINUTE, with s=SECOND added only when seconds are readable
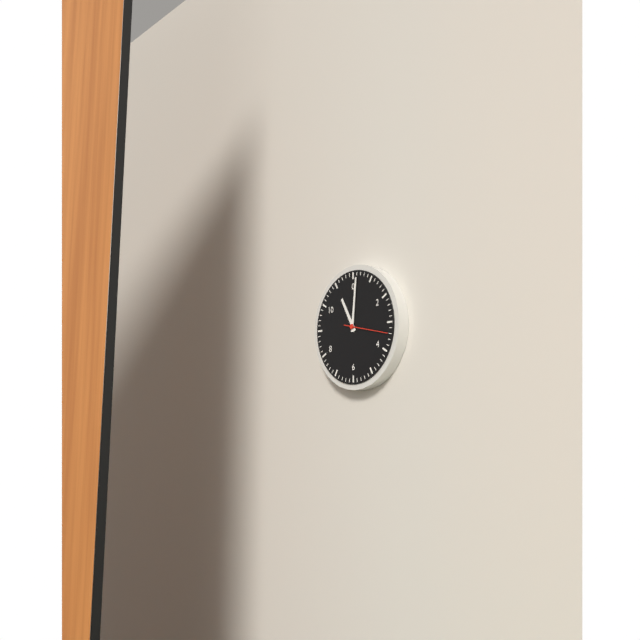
h=11 m=1
